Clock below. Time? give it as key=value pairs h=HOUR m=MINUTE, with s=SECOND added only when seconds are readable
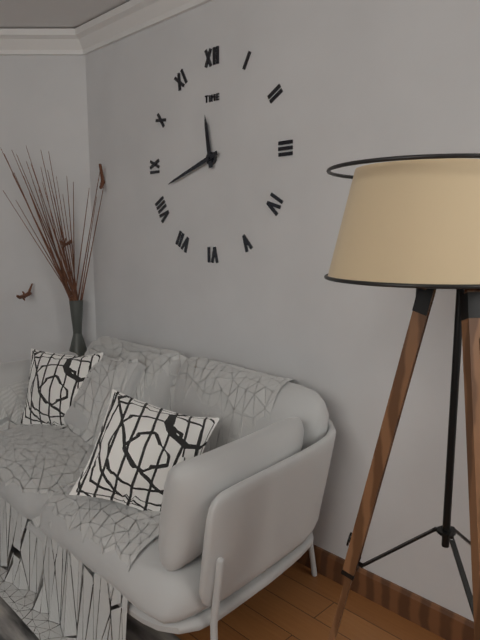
h=11 m=42
